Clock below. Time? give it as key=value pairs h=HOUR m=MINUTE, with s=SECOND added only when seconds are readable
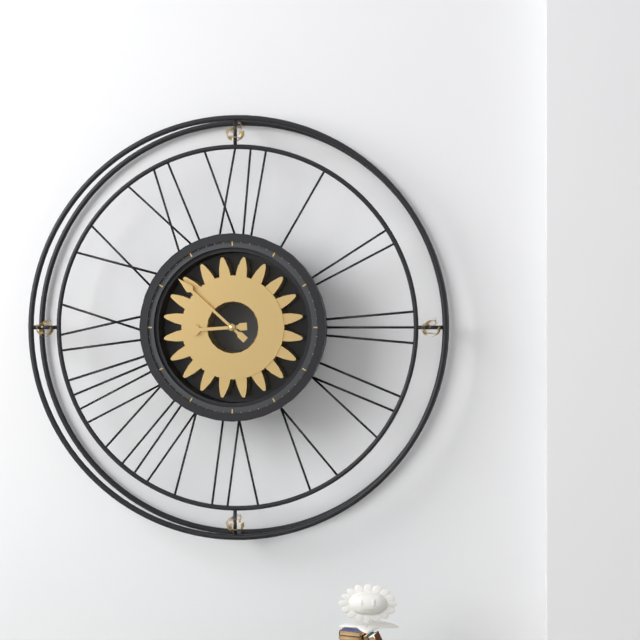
h=8 m=52
